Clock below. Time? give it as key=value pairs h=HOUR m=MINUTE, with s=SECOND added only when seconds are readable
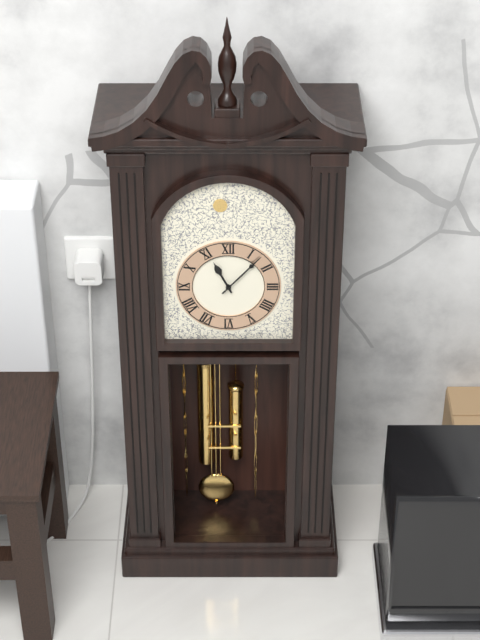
h=11 m=7
